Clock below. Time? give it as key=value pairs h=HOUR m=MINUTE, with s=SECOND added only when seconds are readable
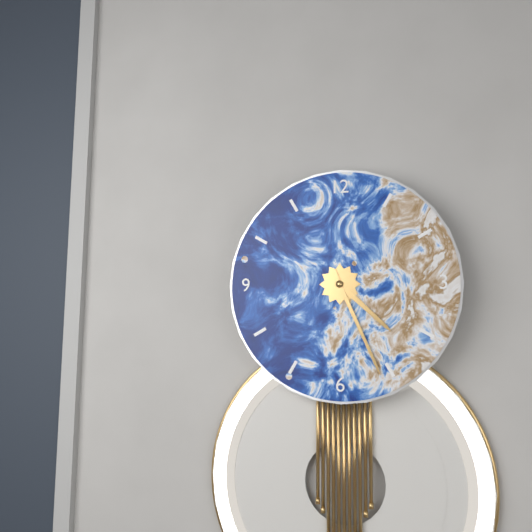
h=4 m=26
